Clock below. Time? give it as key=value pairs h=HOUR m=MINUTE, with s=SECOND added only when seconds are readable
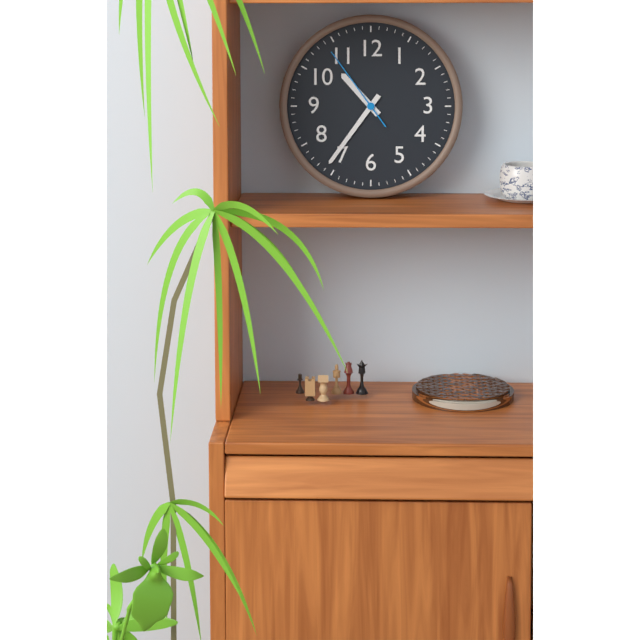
h=10 m=36 s=54
